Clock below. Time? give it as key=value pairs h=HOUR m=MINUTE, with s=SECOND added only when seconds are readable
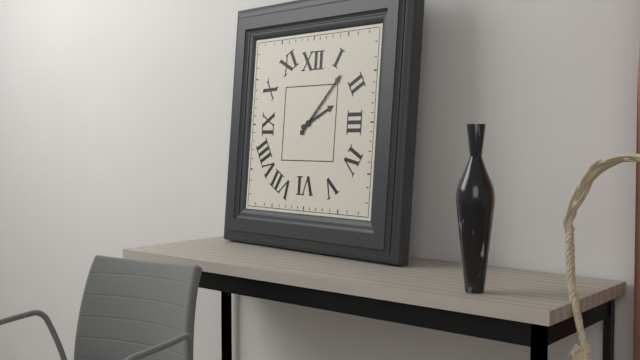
h=2 m=7
